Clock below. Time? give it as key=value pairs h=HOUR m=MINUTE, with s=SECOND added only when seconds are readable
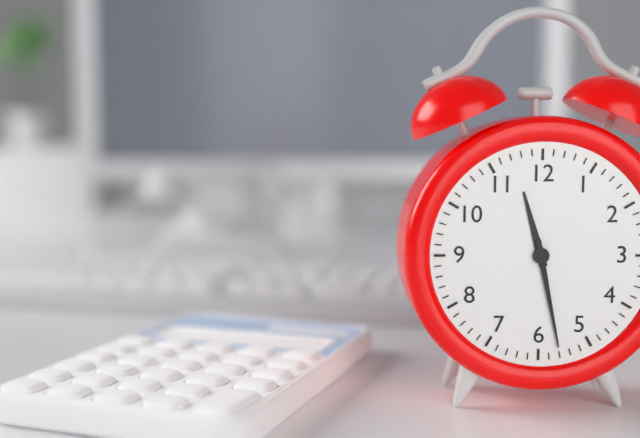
h=11 m=28
